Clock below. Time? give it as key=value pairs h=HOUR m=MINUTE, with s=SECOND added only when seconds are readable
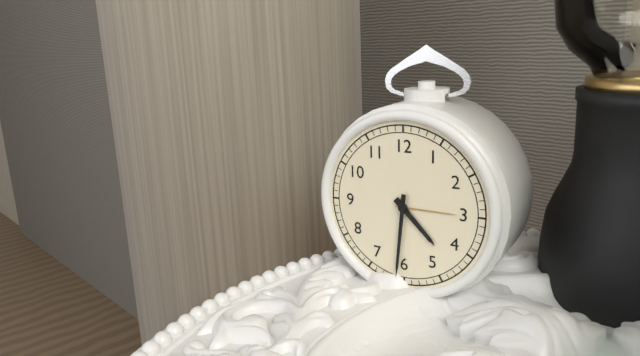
h=4 m=31
